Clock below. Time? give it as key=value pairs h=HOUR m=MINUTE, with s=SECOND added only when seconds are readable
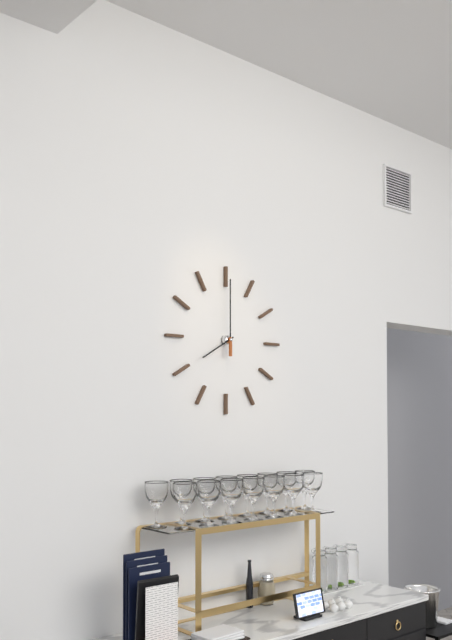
h=8 m=0
